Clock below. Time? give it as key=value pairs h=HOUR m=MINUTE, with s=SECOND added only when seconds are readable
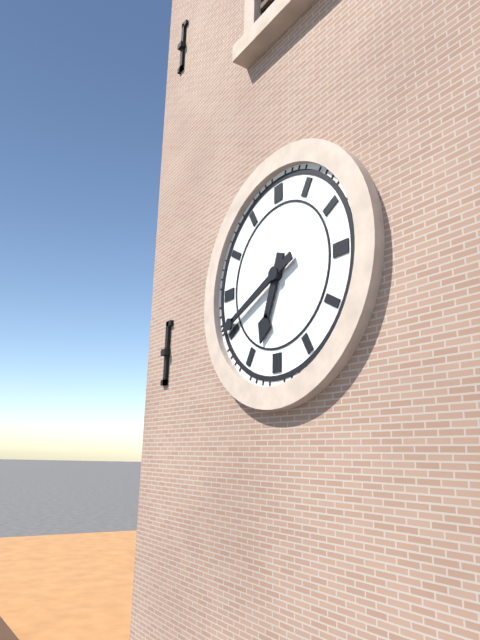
h=6 m=41
